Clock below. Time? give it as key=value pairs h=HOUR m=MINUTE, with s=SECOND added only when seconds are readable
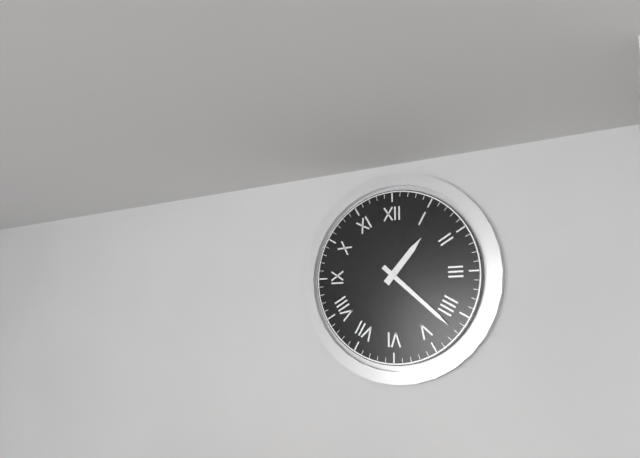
h=1 m=22
